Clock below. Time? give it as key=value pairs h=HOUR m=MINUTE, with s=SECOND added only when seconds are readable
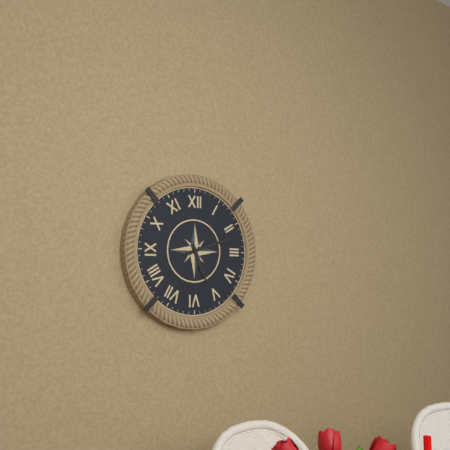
h=5 m=12
